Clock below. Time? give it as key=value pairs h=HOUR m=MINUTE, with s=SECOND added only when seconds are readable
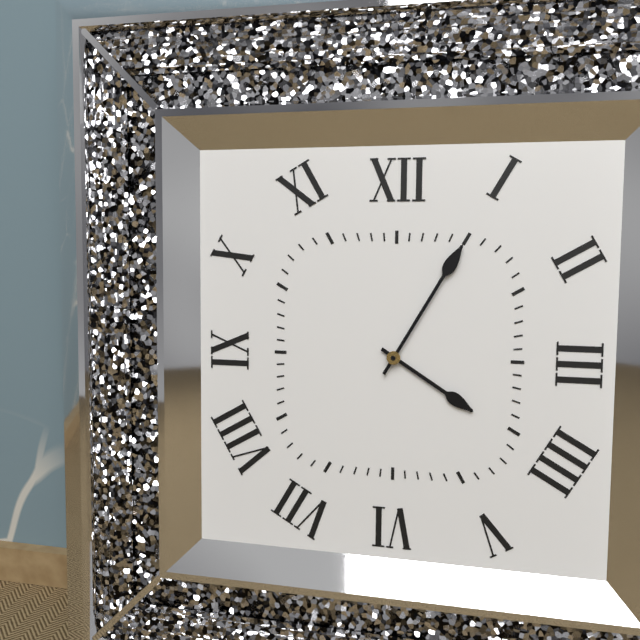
h=4 m=5
